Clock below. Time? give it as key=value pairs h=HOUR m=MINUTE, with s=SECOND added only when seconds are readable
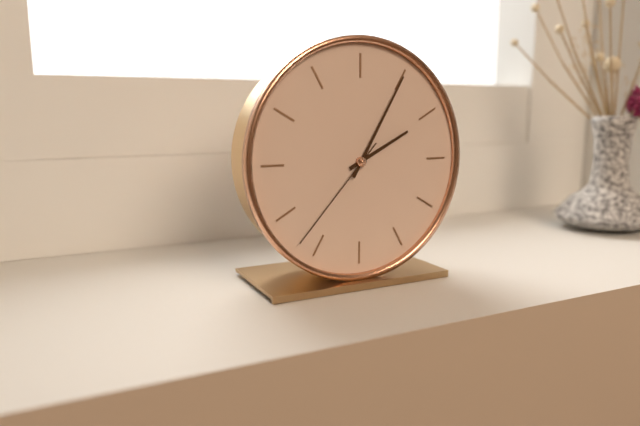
h=2 m=5 s=37
